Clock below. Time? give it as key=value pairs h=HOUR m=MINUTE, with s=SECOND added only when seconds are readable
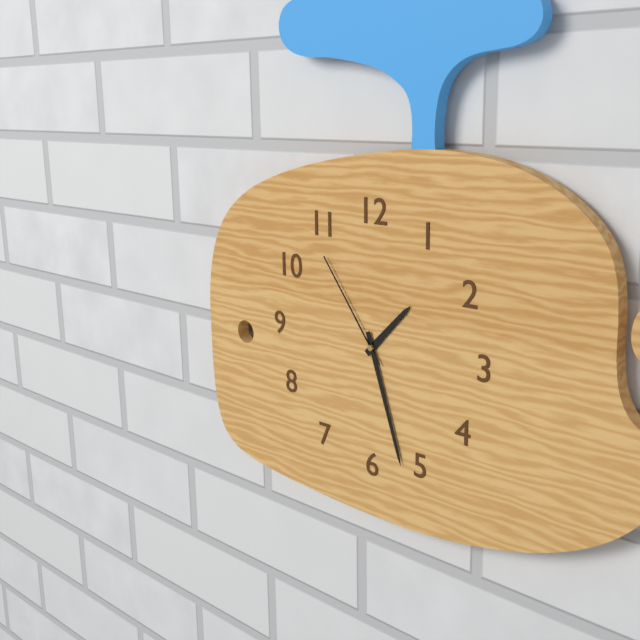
h=1 m=27 s=54
